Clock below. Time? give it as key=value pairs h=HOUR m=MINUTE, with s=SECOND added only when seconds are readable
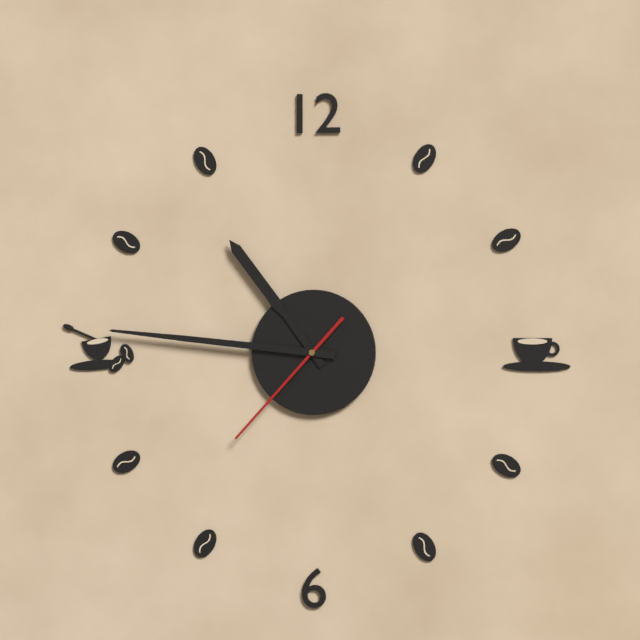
h=10 m=46 s=37
